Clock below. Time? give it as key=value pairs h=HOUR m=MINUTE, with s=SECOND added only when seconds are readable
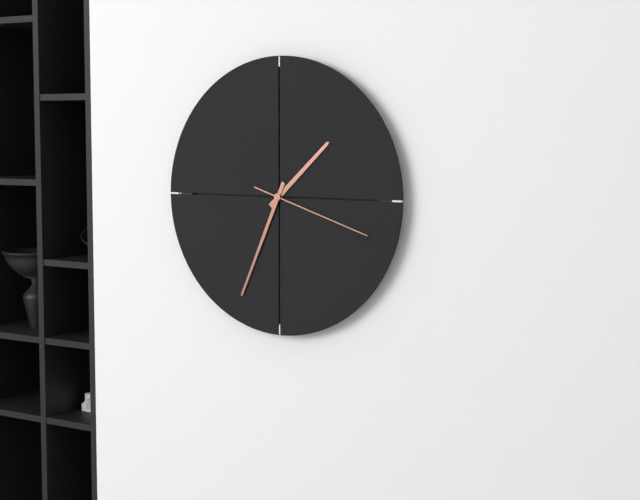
h=1 m=34 s=18
